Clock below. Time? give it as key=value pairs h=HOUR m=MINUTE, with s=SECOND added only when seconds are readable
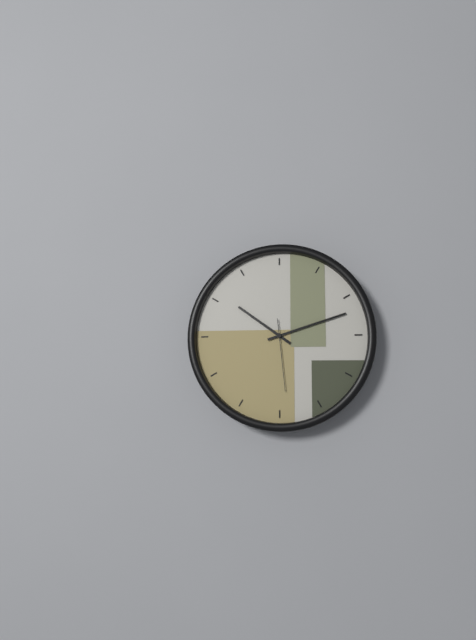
h=10 m=12 s=29
